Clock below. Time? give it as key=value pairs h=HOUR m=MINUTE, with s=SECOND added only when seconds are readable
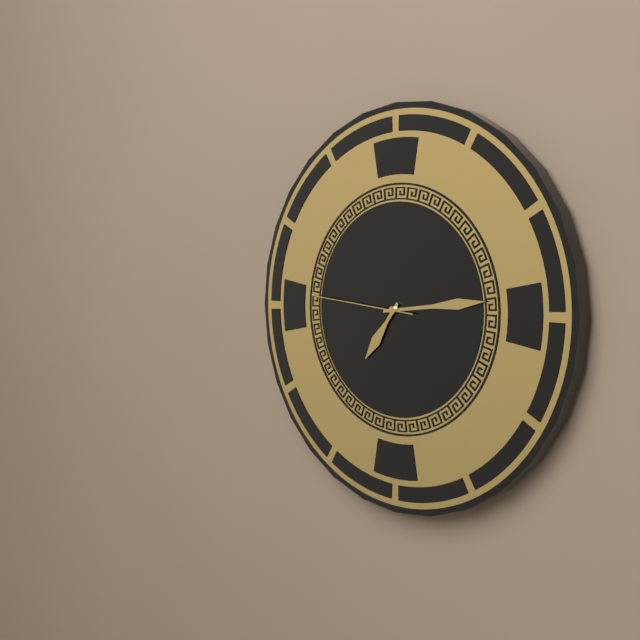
h=7 m=14 s=46
